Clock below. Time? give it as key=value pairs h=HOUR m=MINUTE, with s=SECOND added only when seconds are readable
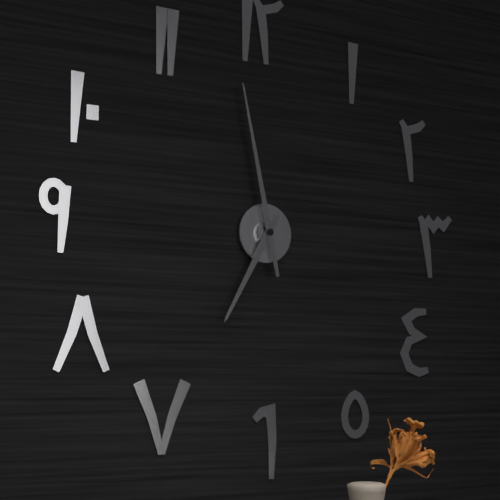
h=6 m=58
